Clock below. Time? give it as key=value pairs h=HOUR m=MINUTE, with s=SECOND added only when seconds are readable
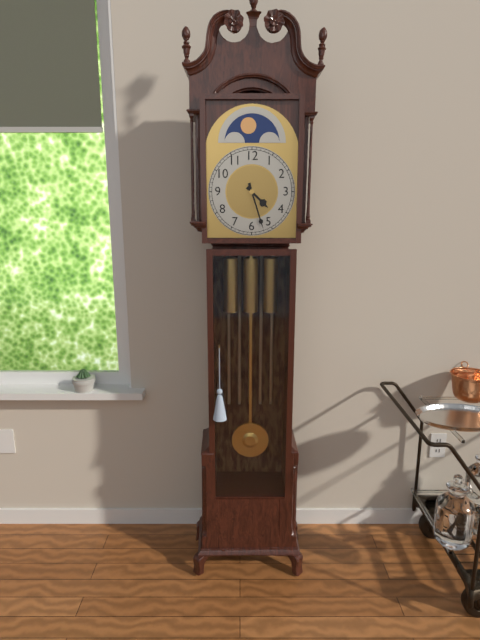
h=4 m=27
